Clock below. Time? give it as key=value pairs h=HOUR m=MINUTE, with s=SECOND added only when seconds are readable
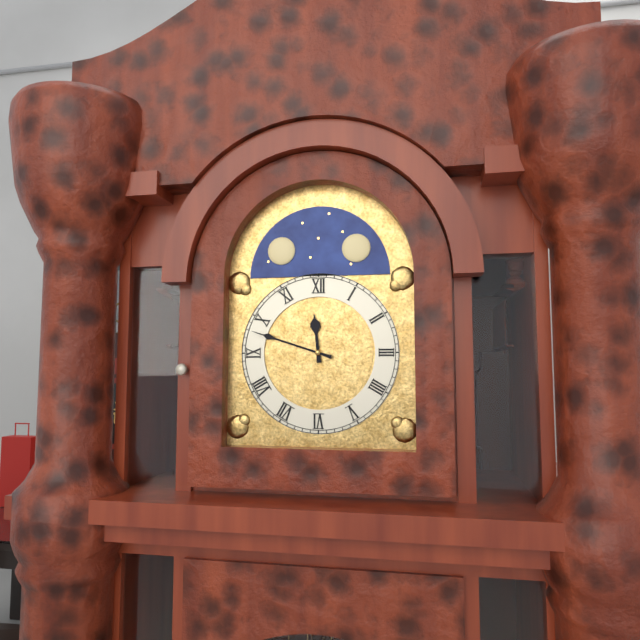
h=11 m=48
